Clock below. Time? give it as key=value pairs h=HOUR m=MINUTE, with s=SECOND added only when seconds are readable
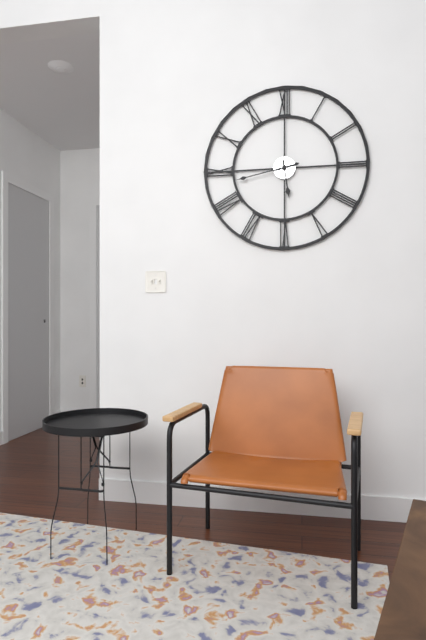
h=5 m=43
